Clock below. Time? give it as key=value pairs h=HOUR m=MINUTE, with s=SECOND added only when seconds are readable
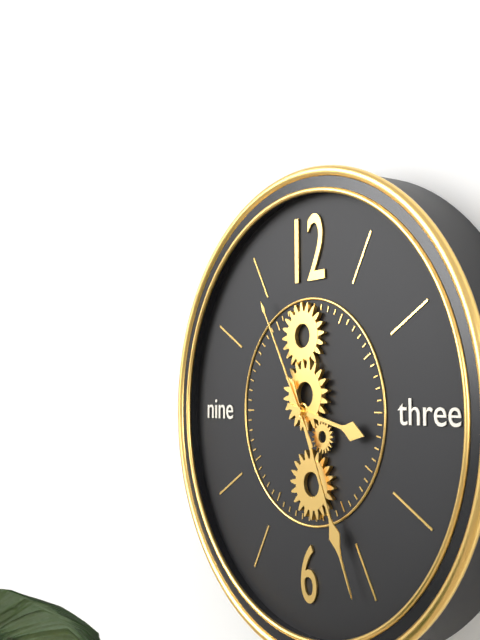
h=3 m=26 s=55
